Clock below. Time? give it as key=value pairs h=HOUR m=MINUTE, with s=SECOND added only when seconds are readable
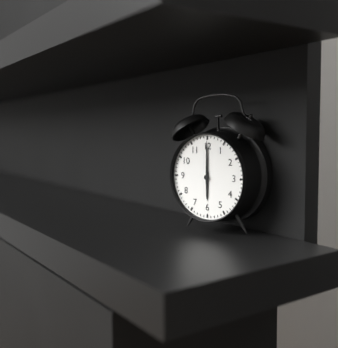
h=6 m=0
